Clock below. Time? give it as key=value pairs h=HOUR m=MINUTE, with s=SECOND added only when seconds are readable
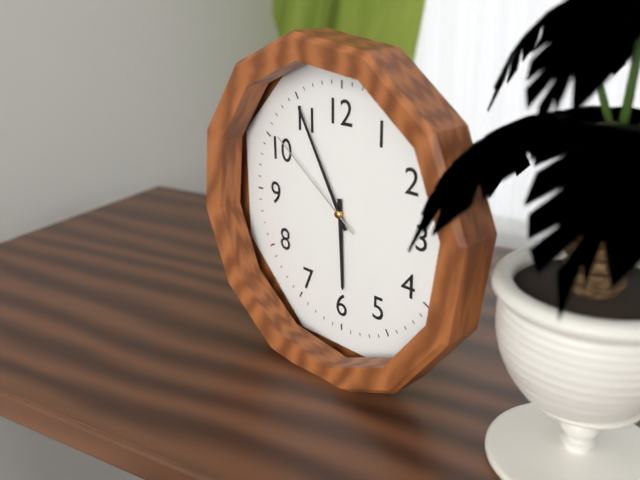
h=5 m=55 s=51
